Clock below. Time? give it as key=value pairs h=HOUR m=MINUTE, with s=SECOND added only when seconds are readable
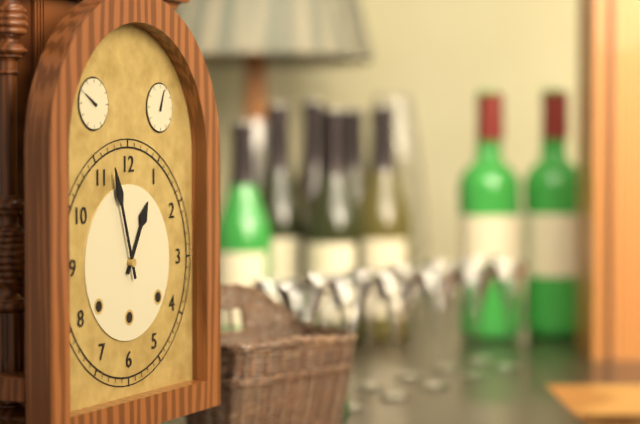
h=12 m=57
